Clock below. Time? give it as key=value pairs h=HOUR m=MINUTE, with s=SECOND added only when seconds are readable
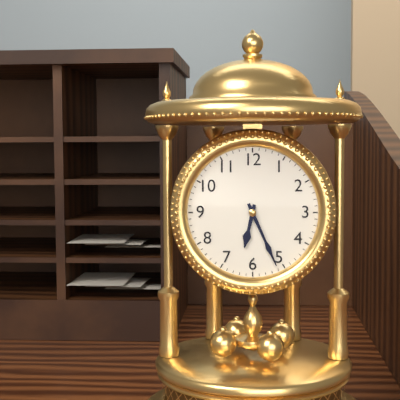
h=6 m=26
